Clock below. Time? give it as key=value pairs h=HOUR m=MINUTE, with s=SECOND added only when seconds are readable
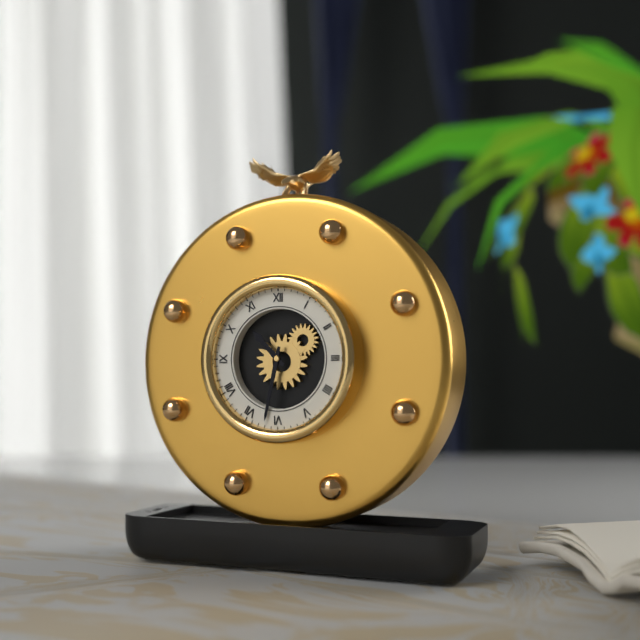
h=10 m=32
